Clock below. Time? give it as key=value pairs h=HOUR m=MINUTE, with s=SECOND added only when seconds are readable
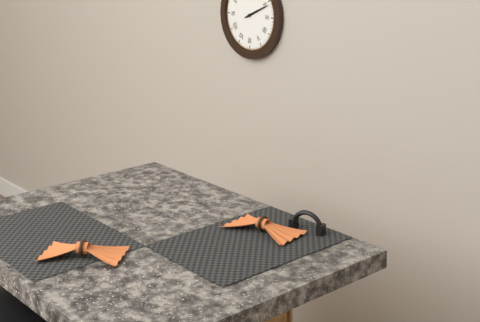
h=2 m=11
